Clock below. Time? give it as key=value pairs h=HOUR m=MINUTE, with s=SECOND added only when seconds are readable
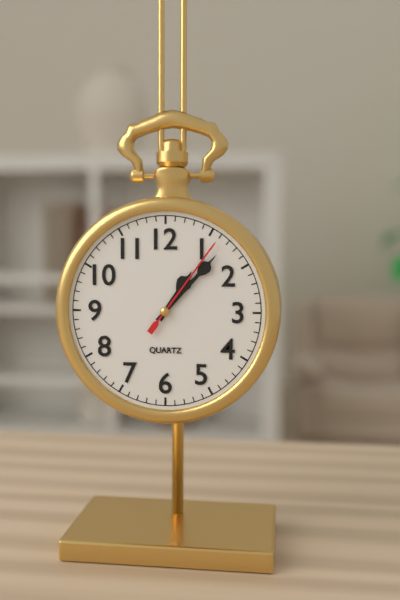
h=1 m=7 s=6
